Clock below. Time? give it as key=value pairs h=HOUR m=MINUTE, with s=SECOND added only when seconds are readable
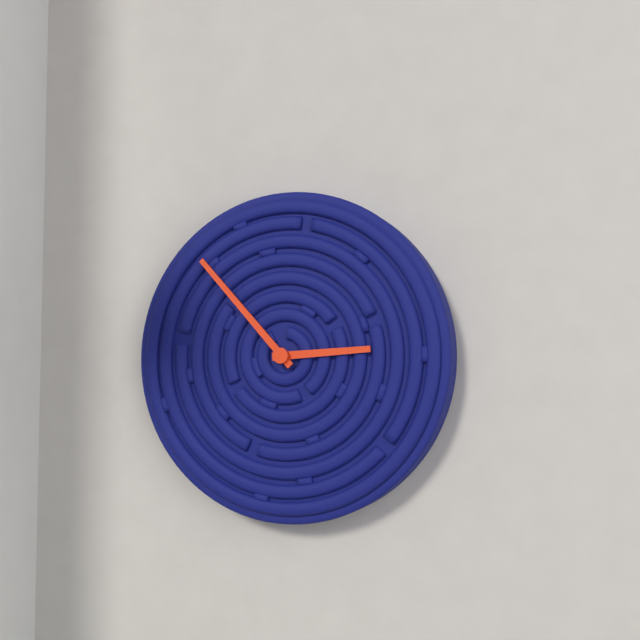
h=2 m=53
